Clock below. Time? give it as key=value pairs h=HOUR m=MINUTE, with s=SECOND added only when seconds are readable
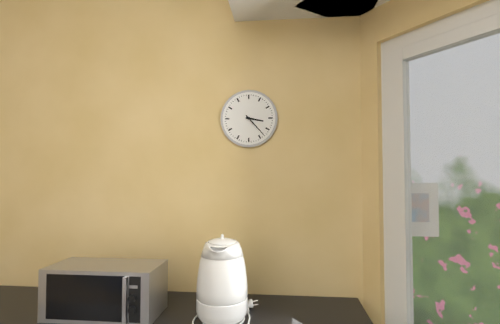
h=3 m=23
